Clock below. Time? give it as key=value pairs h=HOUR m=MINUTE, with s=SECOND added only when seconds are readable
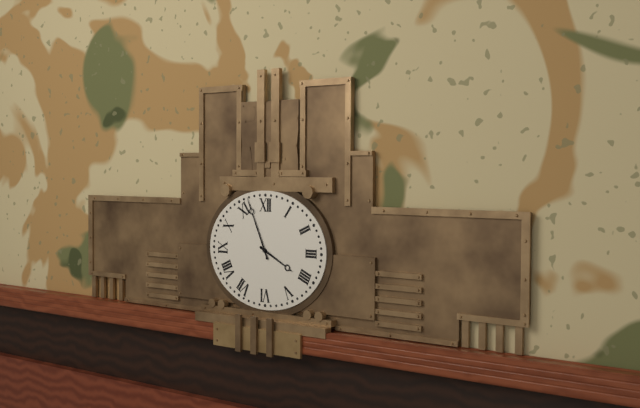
h=3 m=56
